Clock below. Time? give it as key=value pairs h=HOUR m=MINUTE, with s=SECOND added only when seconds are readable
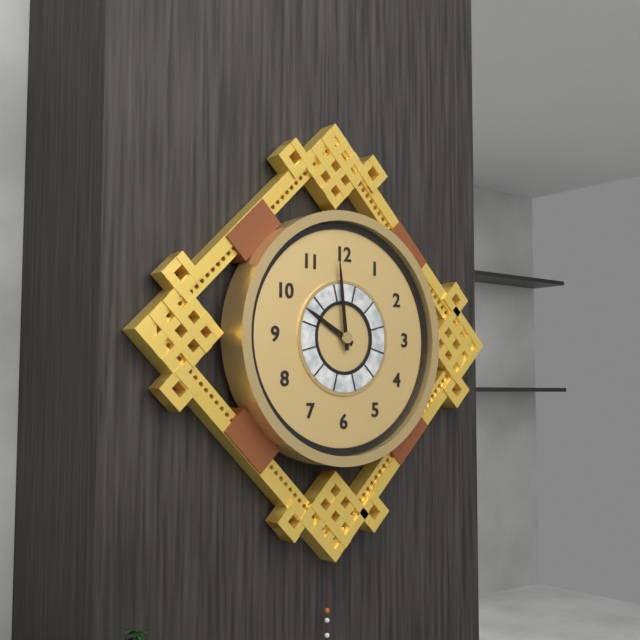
h=9 m=59
